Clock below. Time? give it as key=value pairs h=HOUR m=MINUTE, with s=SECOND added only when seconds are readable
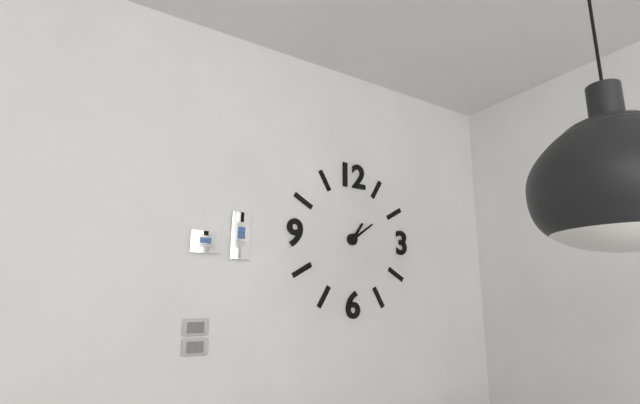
h=1 m=9
